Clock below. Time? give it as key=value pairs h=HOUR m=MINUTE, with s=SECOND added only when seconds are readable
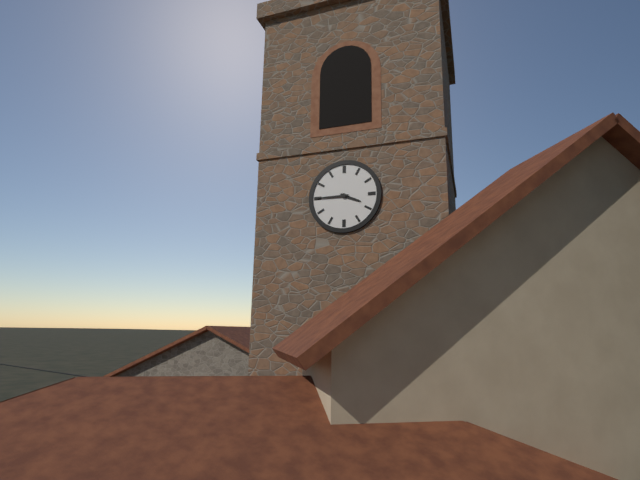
h=3 m=45
